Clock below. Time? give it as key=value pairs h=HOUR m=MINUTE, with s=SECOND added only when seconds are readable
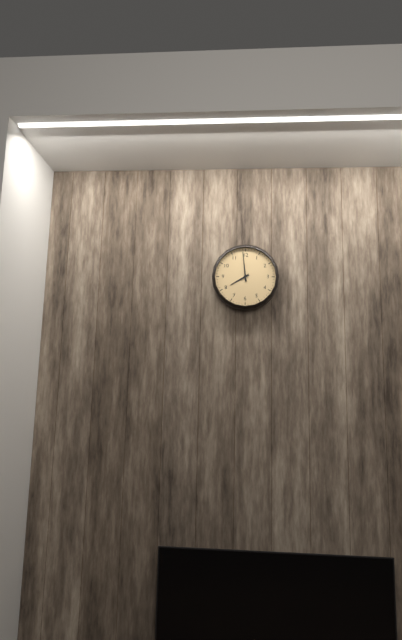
h=7 m=59
